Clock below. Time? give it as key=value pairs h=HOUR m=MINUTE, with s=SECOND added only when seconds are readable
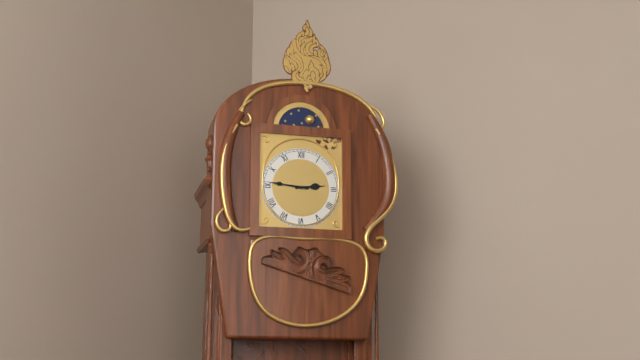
h=2 m=46
